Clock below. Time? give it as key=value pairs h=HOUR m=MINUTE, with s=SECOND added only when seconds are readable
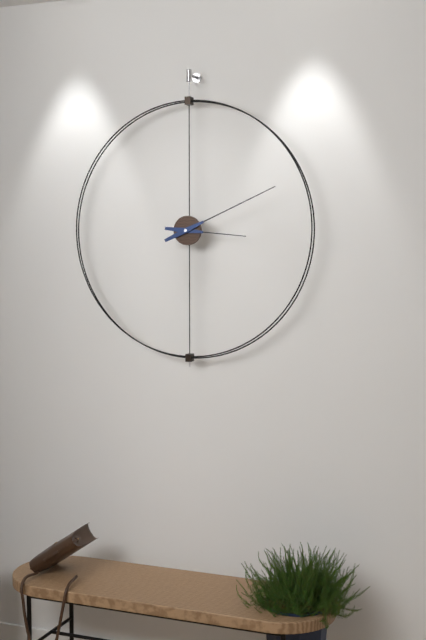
h=3 m=11
